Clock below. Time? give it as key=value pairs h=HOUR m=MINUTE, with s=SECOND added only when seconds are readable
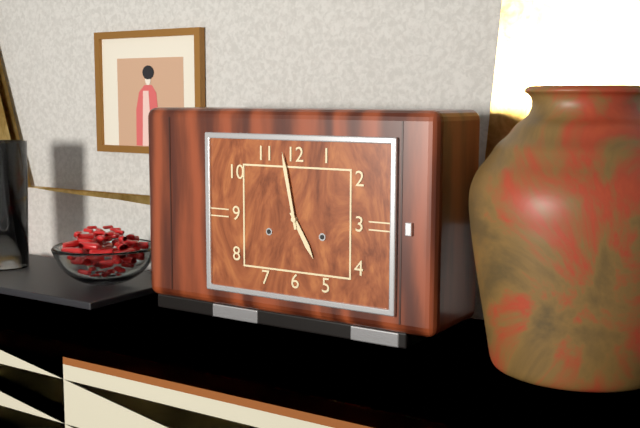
h=4 m=58
